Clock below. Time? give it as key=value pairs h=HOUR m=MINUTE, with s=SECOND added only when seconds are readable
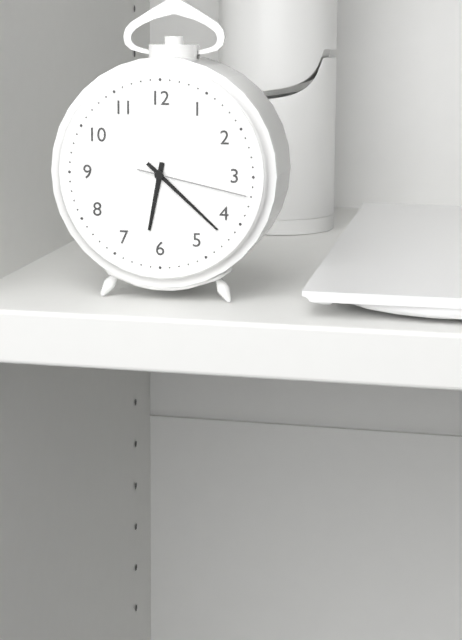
h=6 m=22 s=17
